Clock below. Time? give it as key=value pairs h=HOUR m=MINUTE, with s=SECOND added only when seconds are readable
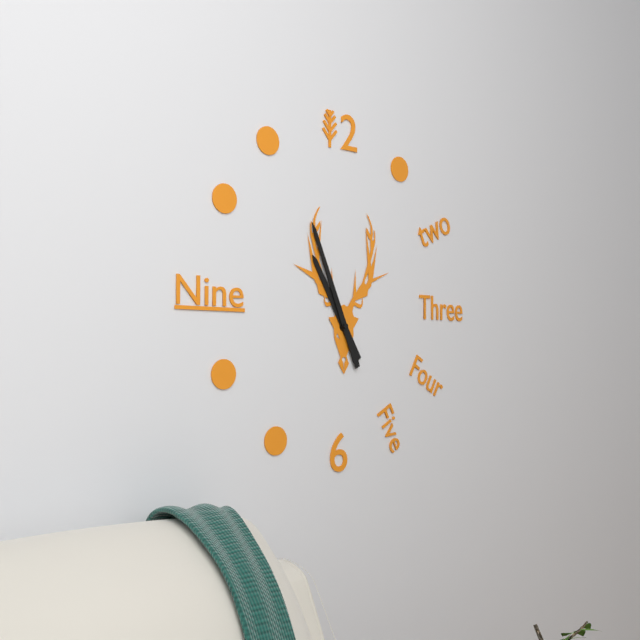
h=10 m=56
